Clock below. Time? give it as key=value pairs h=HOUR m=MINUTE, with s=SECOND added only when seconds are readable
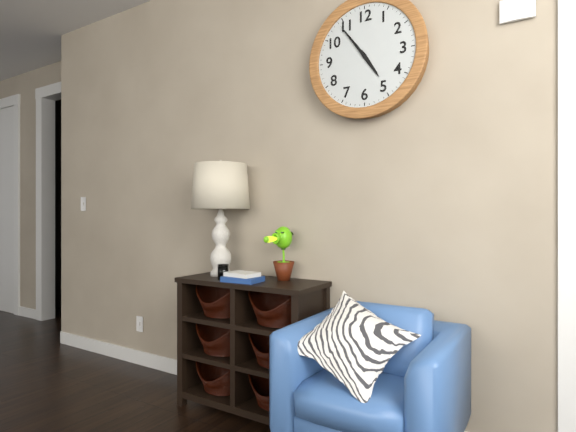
h=4 m=54
